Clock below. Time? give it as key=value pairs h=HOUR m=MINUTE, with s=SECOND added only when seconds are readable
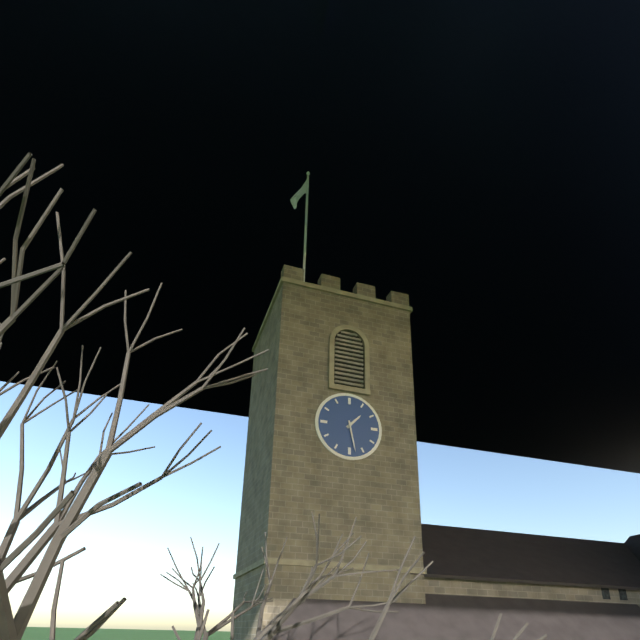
h=1 m=28
